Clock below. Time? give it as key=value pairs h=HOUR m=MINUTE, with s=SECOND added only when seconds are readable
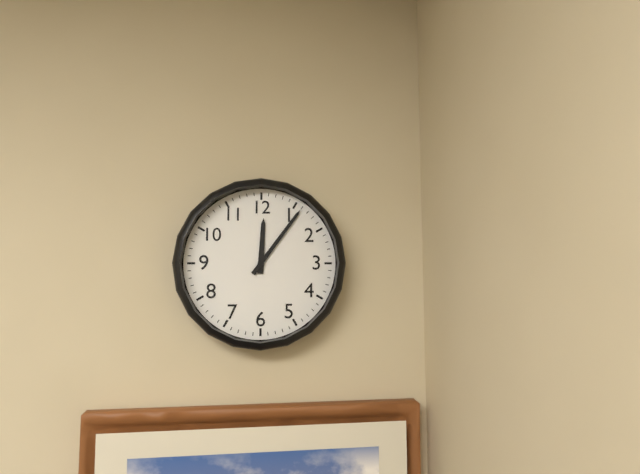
h=12 m=6
